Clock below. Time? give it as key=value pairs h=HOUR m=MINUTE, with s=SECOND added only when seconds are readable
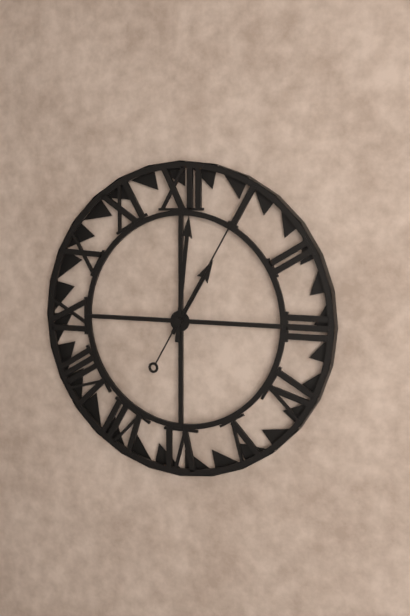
h=1 m=1 s=5
